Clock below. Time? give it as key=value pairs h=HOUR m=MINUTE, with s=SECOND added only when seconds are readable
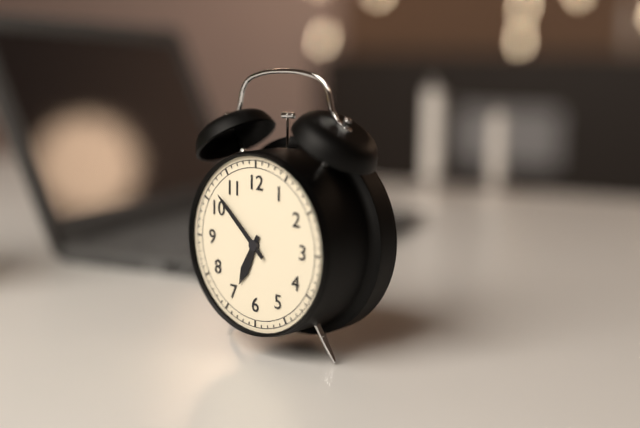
h=6 m=52
